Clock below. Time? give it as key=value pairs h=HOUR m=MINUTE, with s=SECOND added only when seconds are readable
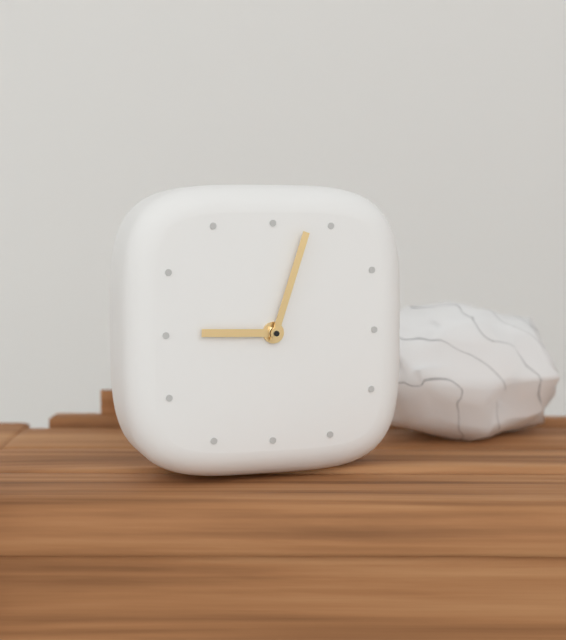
h=9 m=3
